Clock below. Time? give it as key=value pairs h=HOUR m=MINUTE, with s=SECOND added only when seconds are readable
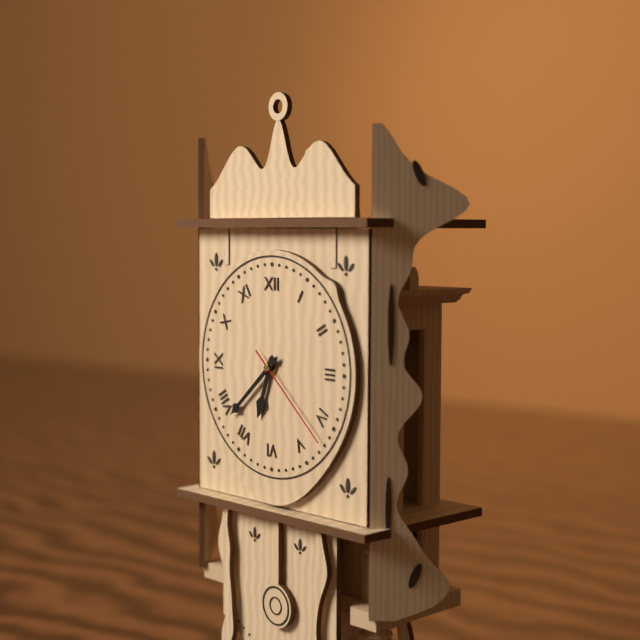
h=6 m=38 s=22
